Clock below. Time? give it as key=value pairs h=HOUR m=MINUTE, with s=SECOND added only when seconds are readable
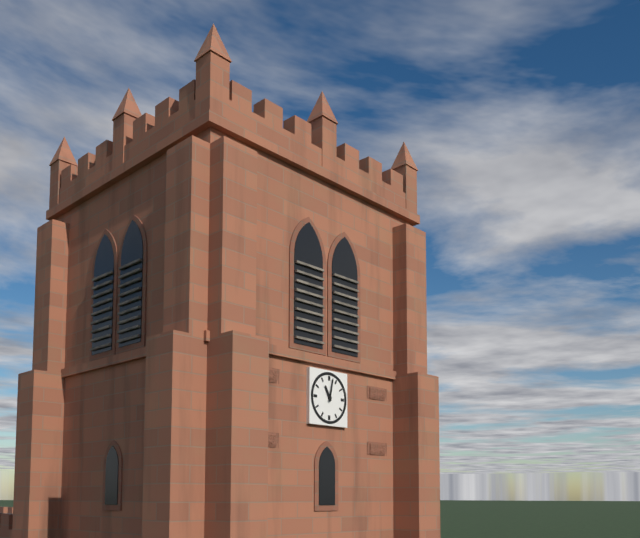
h=11 m=2
